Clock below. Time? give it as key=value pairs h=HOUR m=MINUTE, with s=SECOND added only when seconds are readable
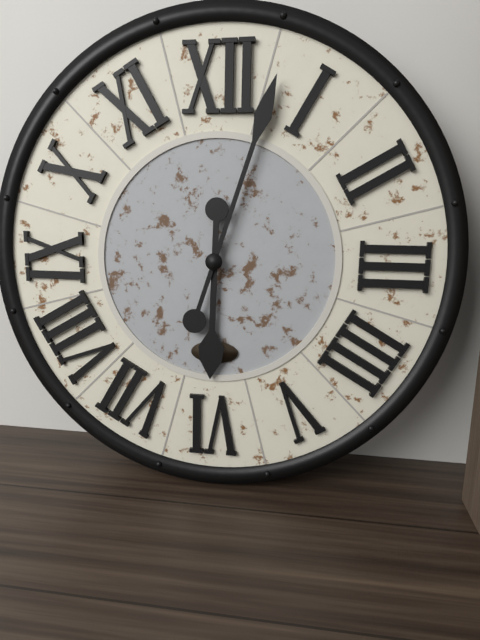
h=6 m=3
